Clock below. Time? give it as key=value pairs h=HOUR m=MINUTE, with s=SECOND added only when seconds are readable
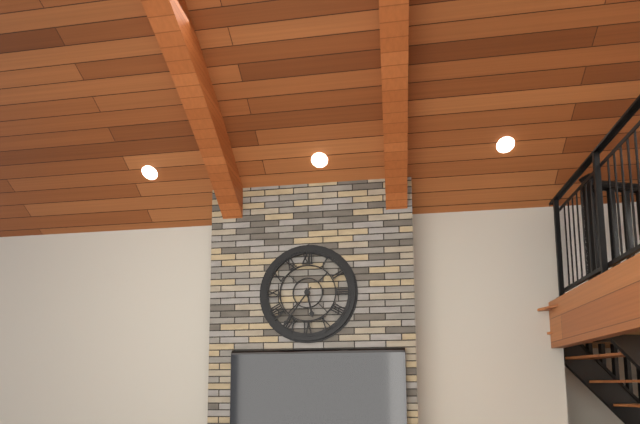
h=5 m=36
